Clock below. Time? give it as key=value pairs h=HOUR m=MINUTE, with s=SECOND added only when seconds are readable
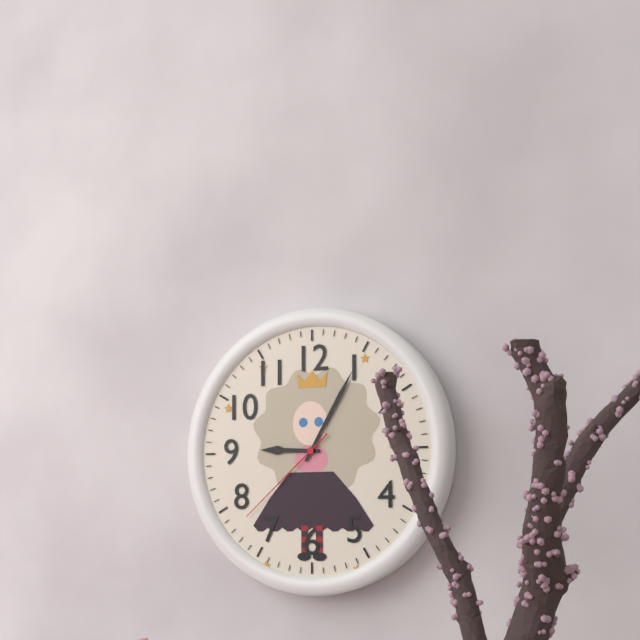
h=9 m=5 s=38
